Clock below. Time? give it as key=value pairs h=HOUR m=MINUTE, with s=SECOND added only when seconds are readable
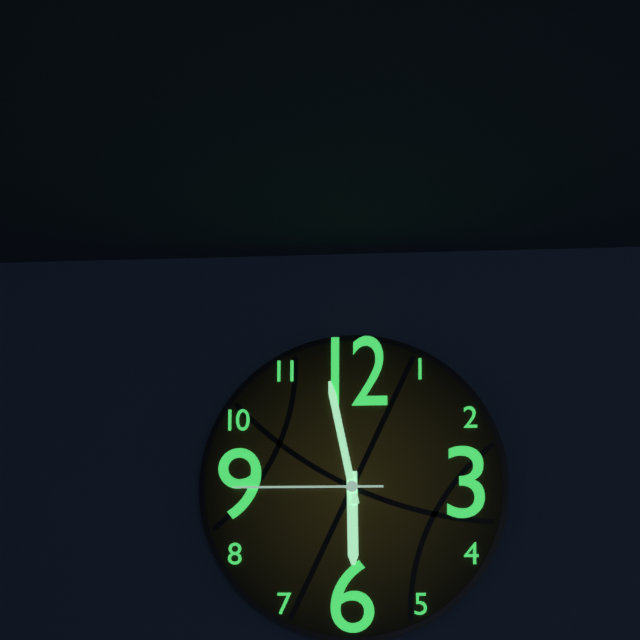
h=5 m=58 s=45
